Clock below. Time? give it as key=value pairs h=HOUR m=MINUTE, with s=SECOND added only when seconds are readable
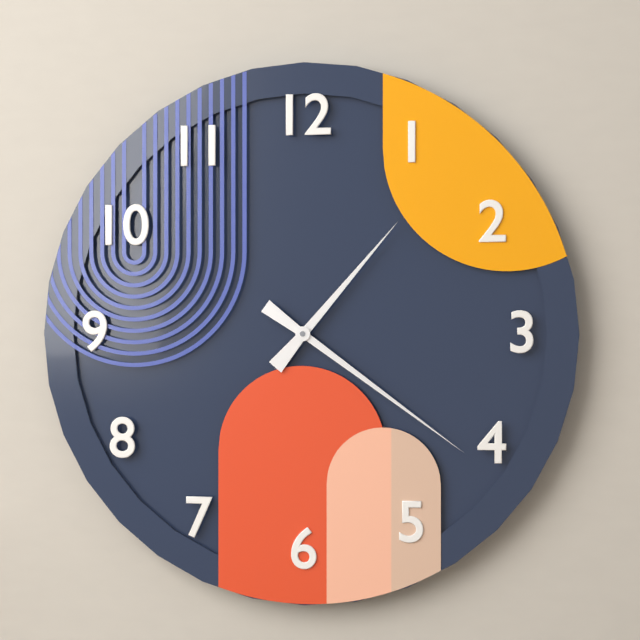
h=1 m=21
